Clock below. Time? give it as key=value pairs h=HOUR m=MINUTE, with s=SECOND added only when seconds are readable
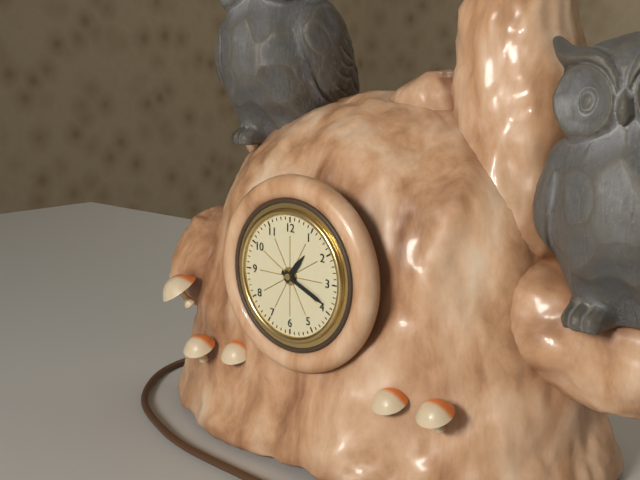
h=1 m=19
